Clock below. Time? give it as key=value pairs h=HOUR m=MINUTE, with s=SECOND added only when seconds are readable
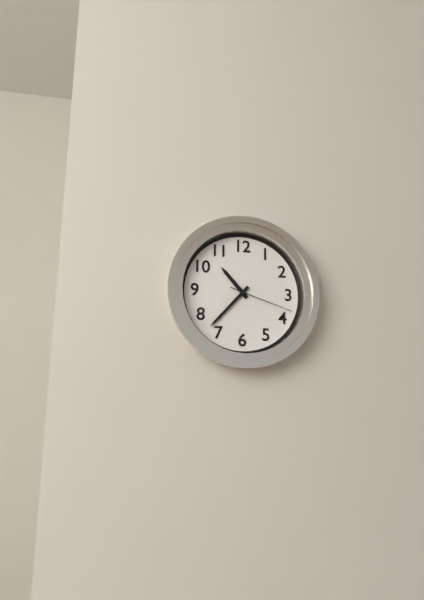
h=10 m=37 s=18
